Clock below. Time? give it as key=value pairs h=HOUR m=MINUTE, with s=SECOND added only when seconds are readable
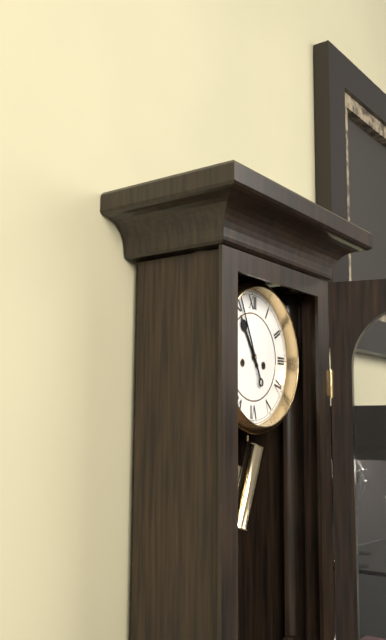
h=10 m=56
